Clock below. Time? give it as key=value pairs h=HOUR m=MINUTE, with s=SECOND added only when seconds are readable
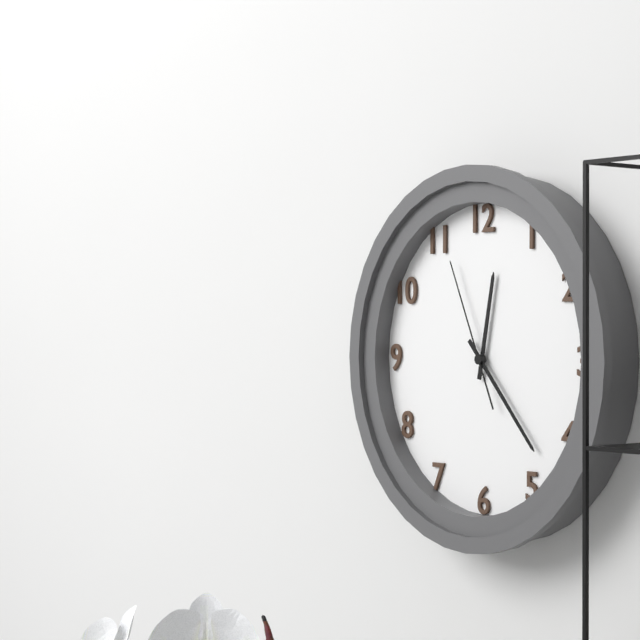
h=12 m=23 s=56
